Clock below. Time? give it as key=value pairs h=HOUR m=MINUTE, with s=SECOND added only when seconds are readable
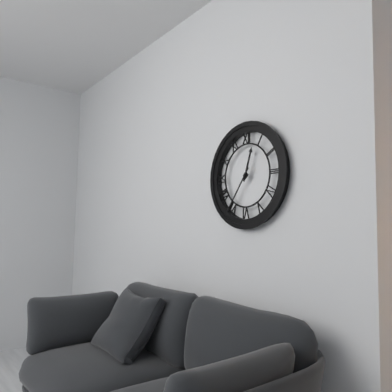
h=12 m=36
